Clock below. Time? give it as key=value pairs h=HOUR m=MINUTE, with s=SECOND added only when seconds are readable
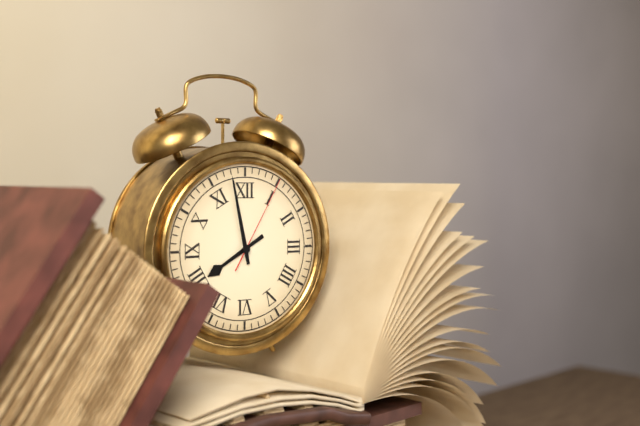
h=7 m=58 s=5
